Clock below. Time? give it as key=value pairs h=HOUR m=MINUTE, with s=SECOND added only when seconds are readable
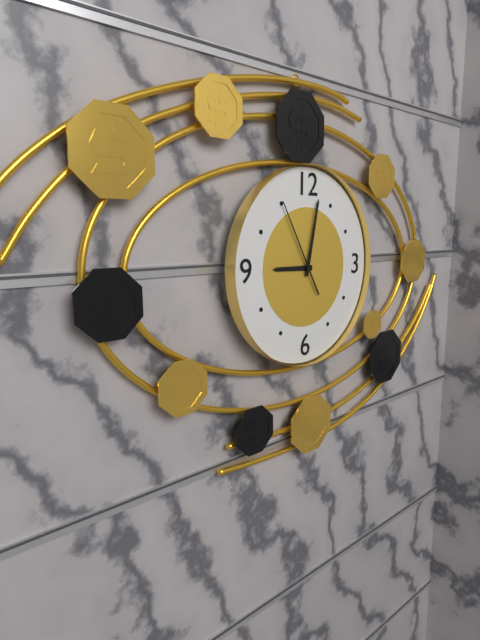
h=9 m=2 s=55
